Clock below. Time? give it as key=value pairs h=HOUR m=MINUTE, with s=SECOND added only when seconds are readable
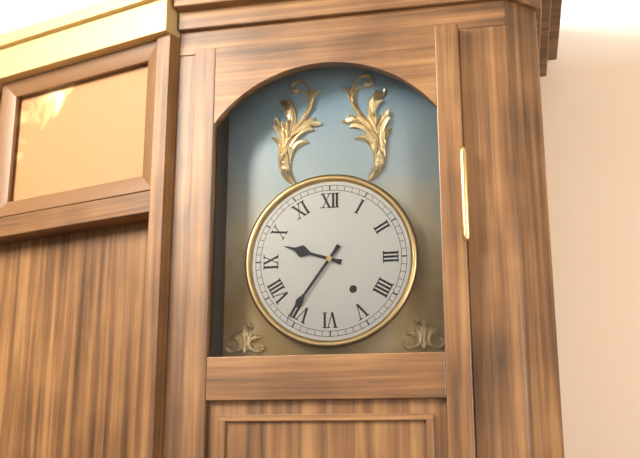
h=9 m=36
